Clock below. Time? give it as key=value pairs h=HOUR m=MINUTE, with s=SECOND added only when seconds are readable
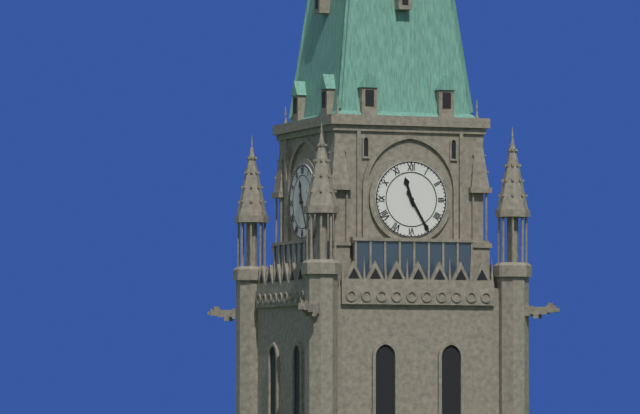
h=11 m=25
